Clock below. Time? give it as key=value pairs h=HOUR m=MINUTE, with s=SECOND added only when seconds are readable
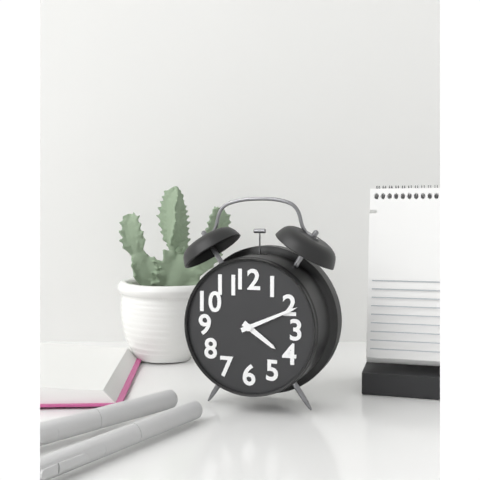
h=4 m=11
